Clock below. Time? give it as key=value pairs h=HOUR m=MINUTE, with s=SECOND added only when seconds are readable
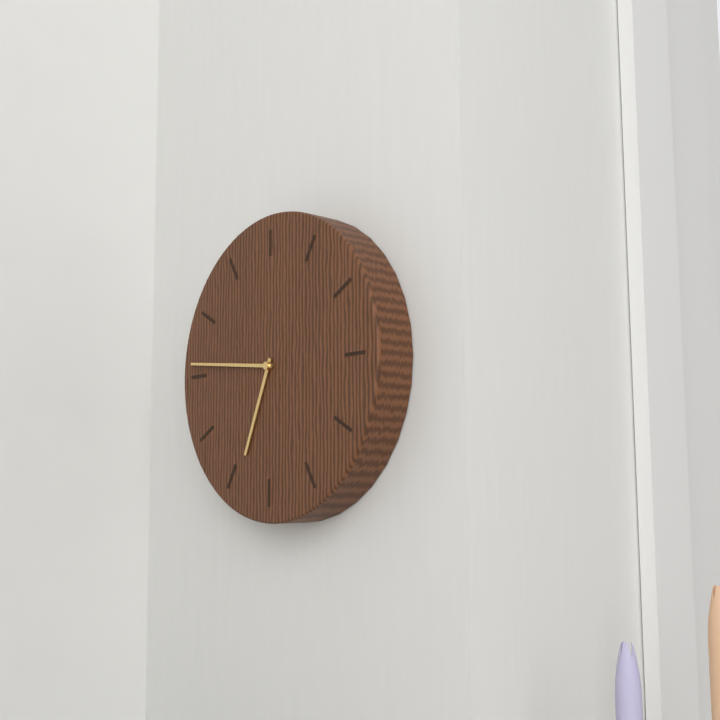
h=6 m=46
